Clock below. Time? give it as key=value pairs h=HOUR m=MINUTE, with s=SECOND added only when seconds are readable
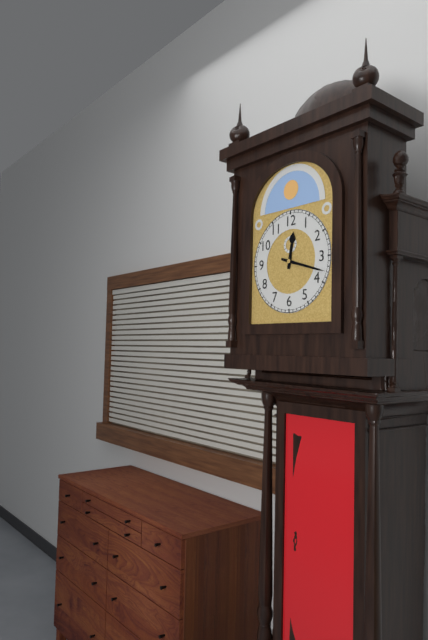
h=12 m=18
